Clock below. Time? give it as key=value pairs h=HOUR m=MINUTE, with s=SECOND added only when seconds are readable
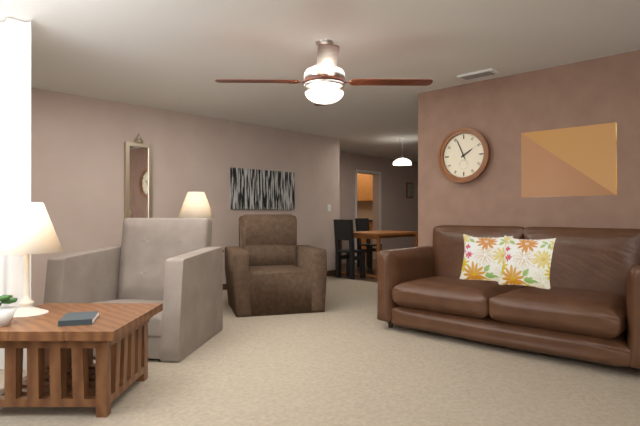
h=1 m=56
